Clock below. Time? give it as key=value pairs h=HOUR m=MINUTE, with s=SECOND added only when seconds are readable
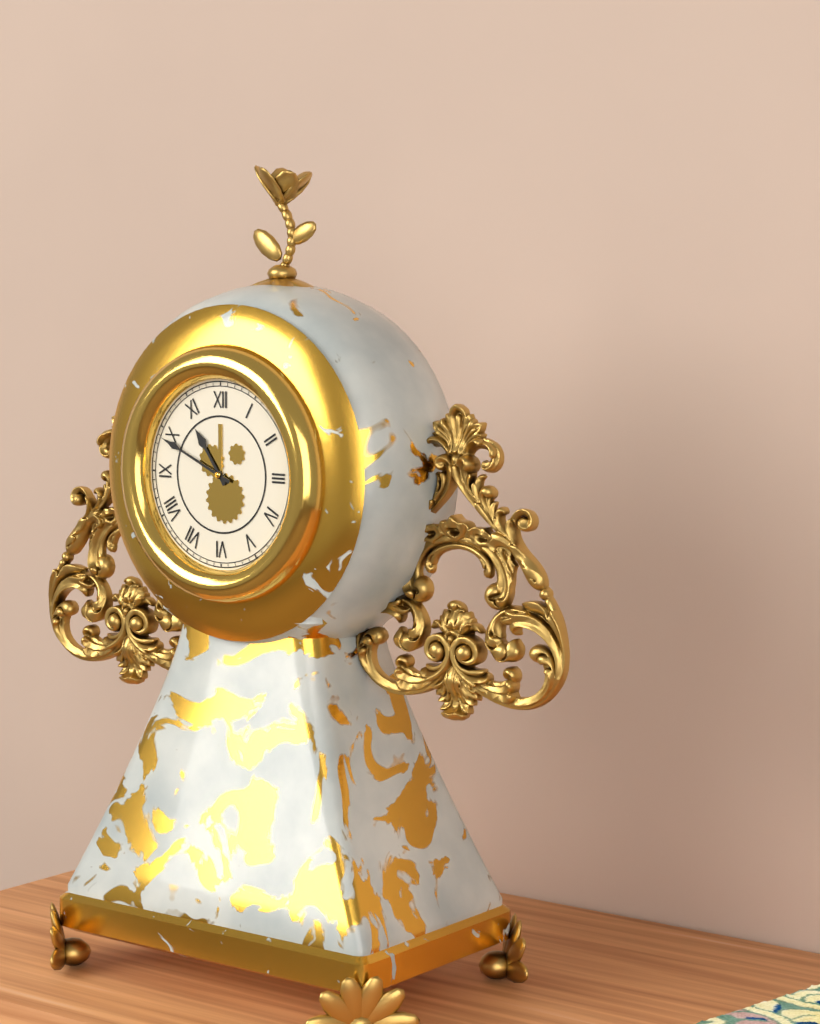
h=10 m=49
